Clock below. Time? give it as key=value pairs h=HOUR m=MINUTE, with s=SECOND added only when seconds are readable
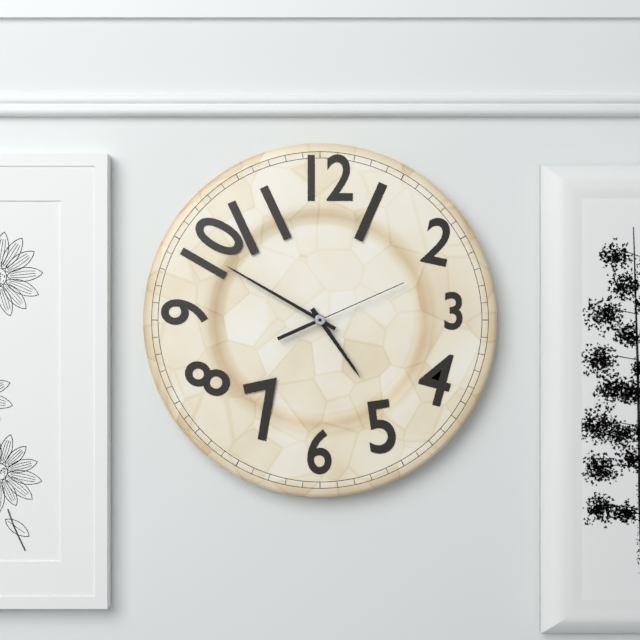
h=4 m=50 s=11
